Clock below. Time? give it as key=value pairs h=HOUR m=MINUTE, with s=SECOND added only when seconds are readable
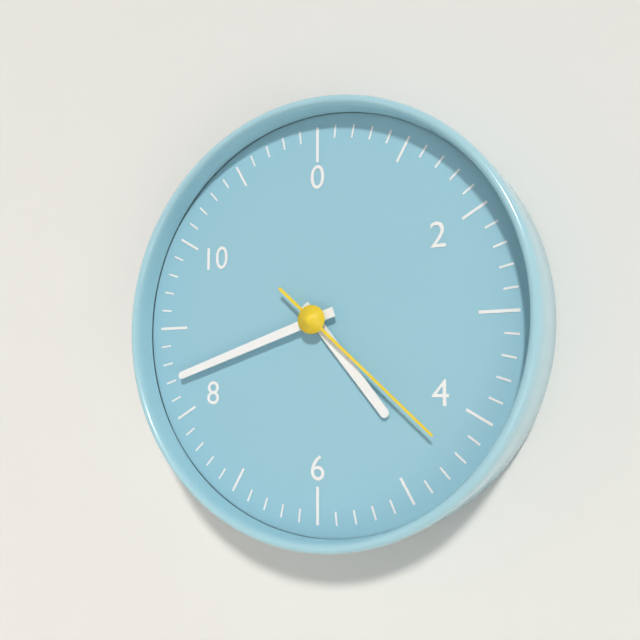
h=4 m=42 s=22
